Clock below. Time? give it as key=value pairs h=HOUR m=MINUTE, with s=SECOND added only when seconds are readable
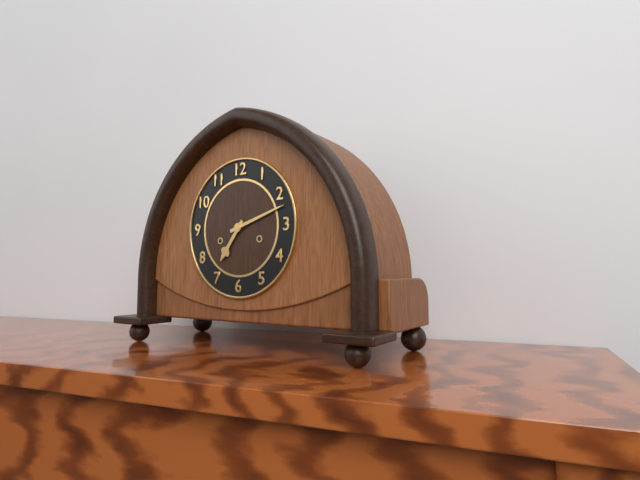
h=7 m=12
